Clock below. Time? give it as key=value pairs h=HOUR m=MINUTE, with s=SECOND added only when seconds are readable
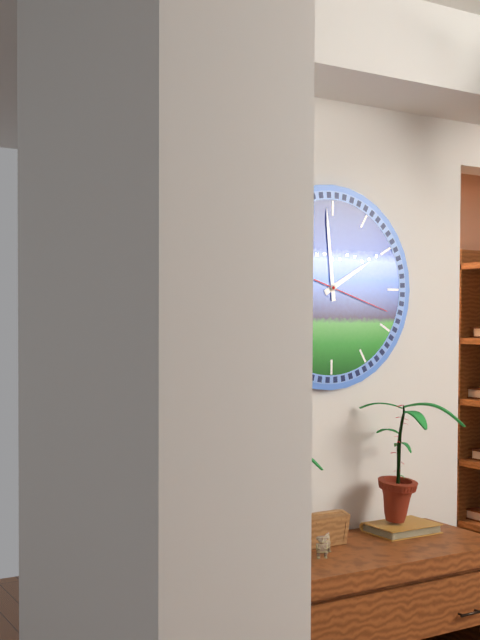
h=1 m=59 s=18
